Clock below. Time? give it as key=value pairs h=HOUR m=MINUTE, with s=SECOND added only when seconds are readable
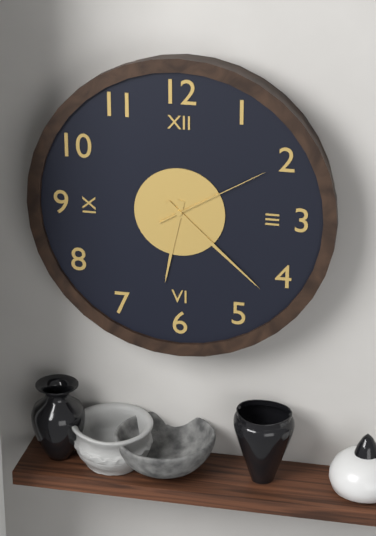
h=6 m=22 s=10
